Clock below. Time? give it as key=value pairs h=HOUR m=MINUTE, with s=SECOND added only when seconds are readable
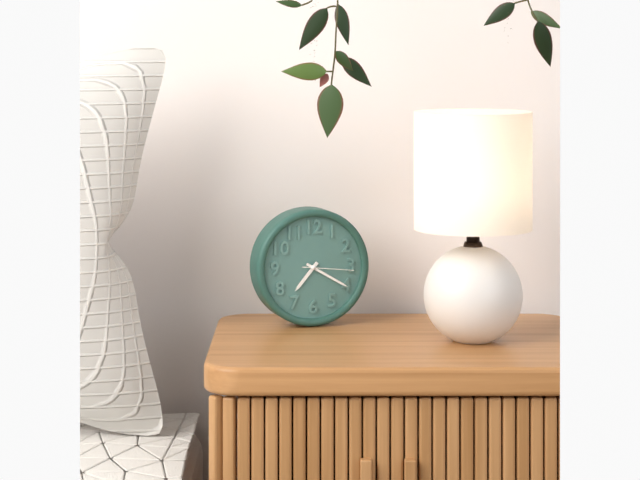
h=7 m=20 s=16
